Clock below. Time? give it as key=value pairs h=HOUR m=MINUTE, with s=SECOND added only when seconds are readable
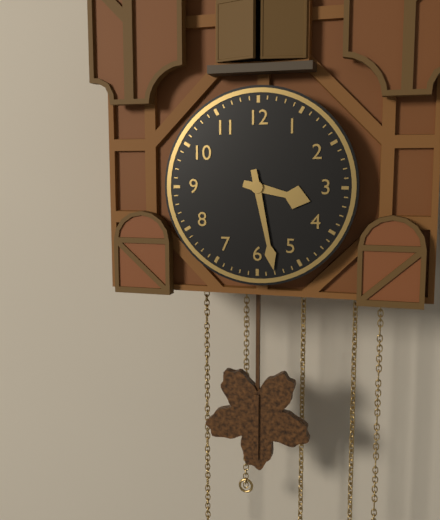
h=3 m=28
